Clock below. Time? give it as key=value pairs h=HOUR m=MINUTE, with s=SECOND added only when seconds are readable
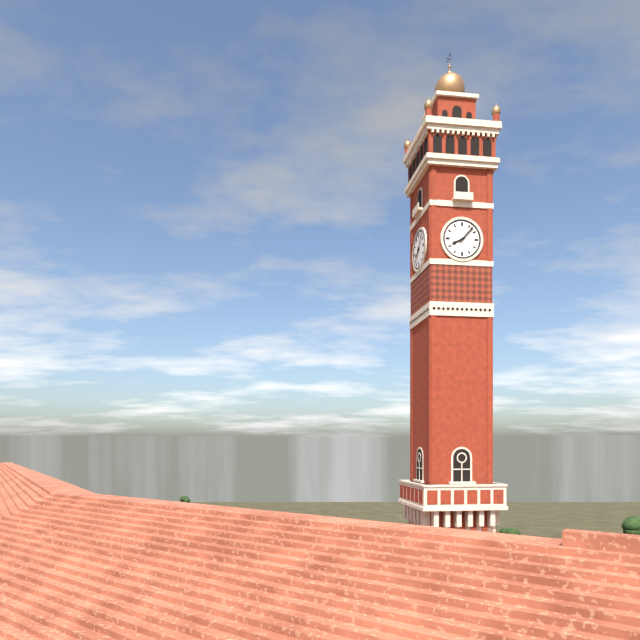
h=8 m=7
